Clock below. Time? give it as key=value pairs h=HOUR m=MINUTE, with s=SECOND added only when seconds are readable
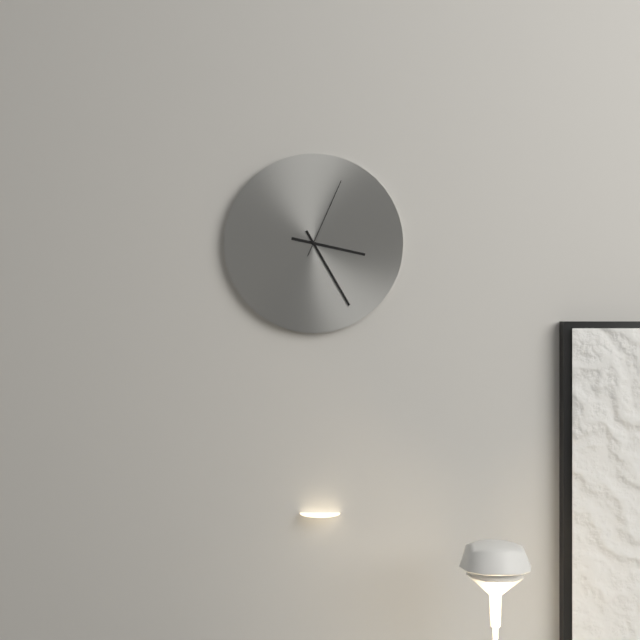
h=3 m=25 s=4
